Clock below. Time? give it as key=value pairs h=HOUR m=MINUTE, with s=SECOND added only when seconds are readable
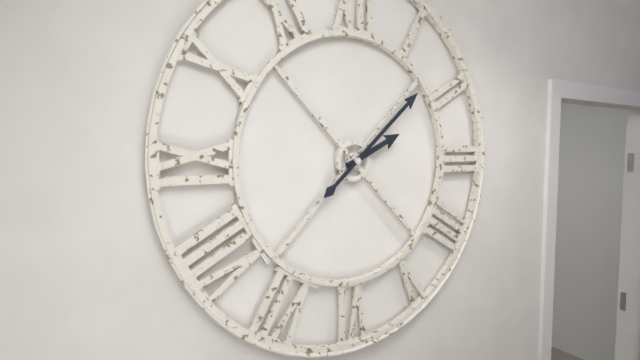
h=2 m=8
